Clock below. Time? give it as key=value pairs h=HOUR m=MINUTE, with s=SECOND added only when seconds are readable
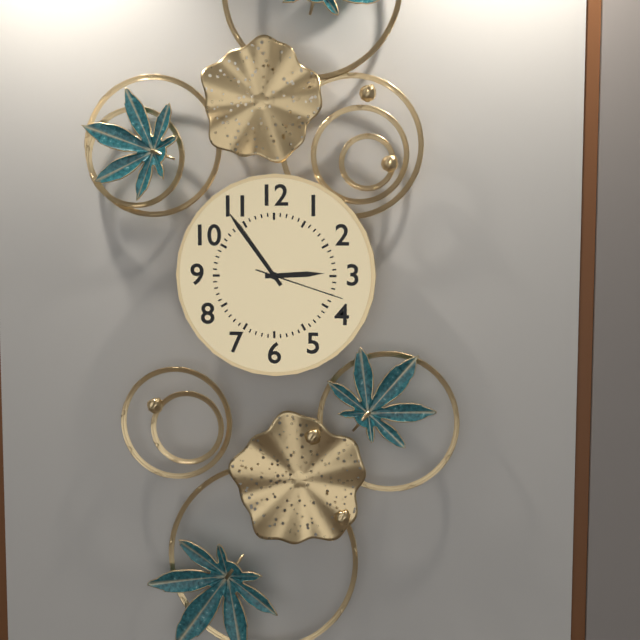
h=2 m=54 s=18
